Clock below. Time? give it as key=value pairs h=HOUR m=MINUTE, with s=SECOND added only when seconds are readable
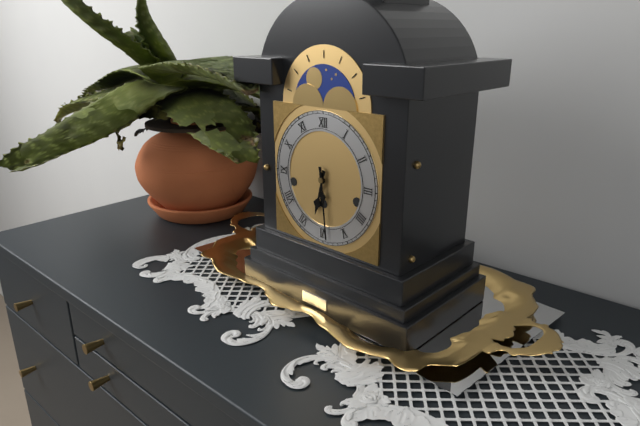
h=6 m=29
